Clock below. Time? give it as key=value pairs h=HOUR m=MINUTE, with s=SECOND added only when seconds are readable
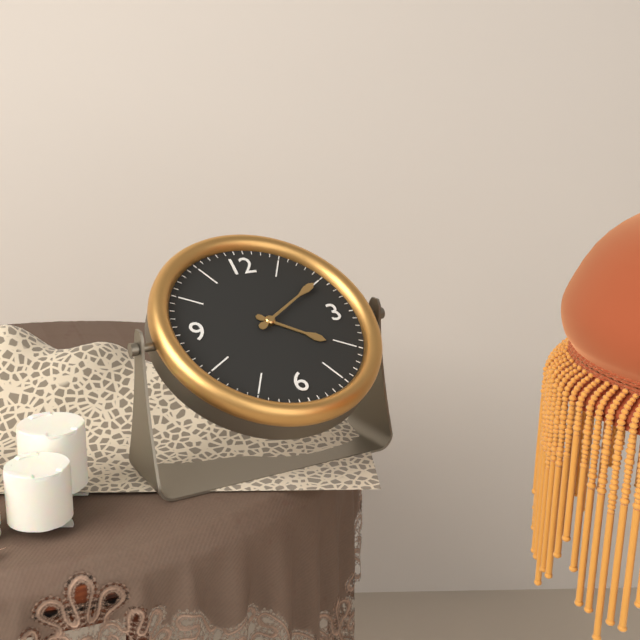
h=4 m=10
